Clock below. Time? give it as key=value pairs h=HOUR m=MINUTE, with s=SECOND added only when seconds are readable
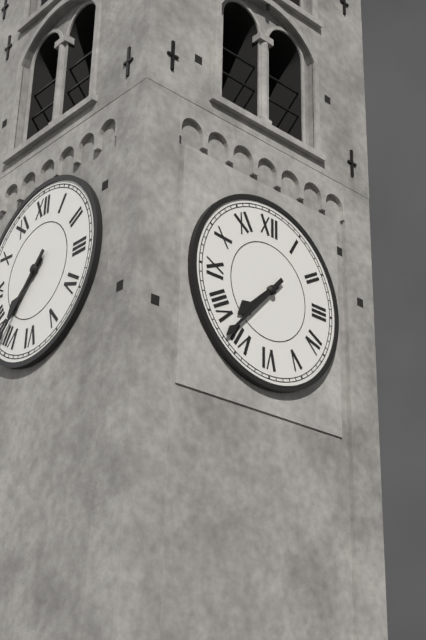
h=7 m=37
